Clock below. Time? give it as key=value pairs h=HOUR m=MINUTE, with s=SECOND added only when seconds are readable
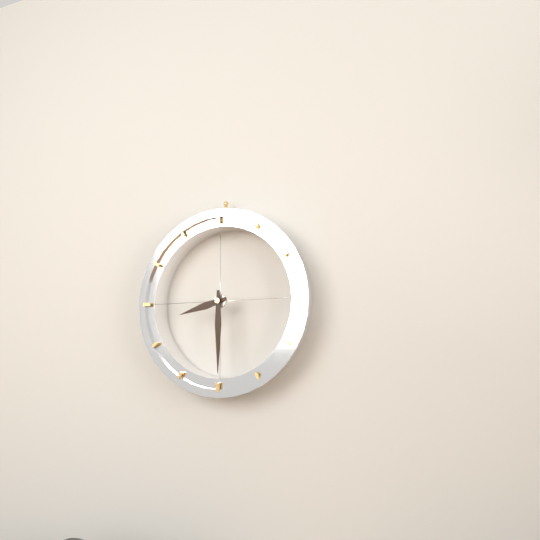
h=8 m=30
